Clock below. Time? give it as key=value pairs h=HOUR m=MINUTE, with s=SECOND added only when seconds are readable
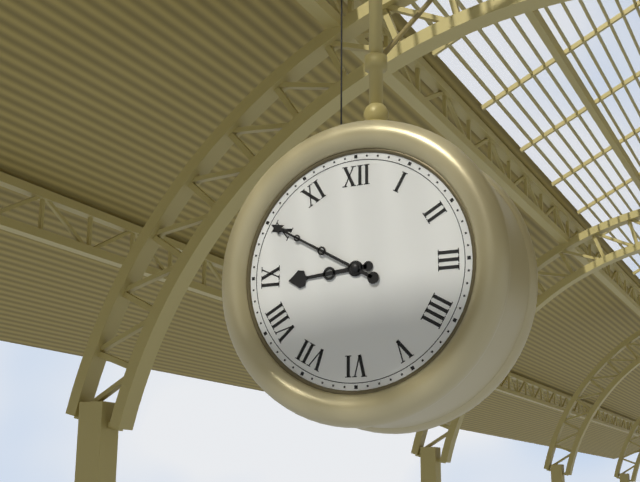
h=8 m=50
